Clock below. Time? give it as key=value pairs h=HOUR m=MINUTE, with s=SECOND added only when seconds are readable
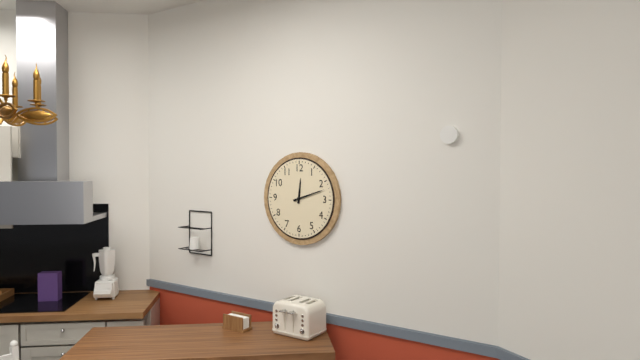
h=12 m=12
